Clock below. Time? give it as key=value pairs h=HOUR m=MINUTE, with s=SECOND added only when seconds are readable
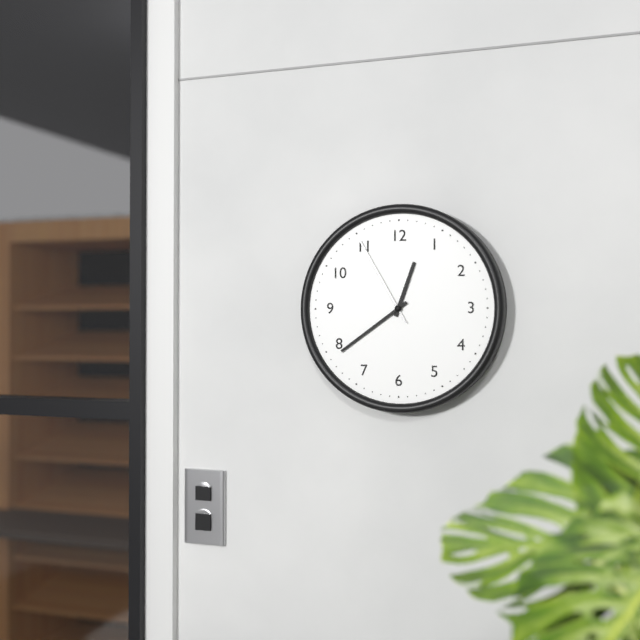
h=12 m=39 s=55
